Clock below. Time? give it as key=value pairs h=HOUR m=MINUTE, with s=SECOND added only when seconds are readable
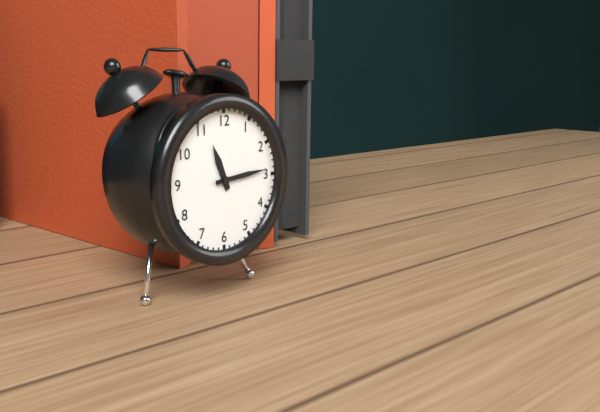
h=11 m=14
